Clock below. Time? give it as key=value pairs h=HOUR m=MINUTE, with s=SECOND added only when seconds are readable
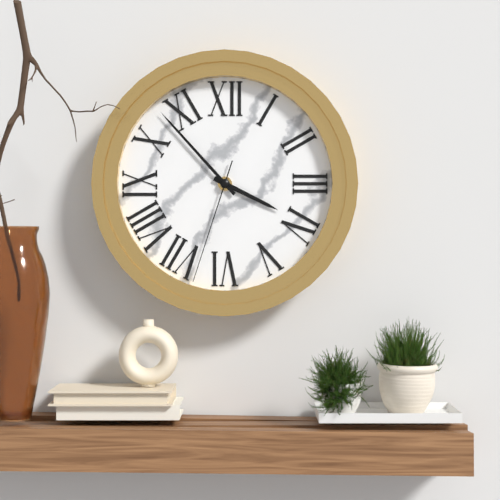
h=3 m=53 s=33
